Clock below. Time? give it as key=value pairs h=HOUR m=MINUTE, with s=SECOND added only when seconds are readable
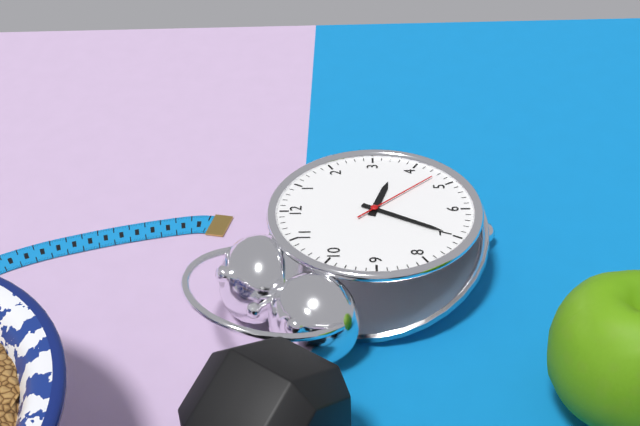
h=3 m=35 s=23
